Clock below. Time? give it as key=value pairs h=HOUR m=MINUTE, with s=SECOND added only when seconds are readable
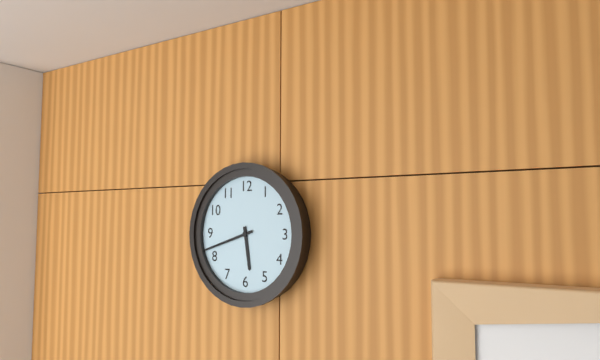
h=5 m=42
